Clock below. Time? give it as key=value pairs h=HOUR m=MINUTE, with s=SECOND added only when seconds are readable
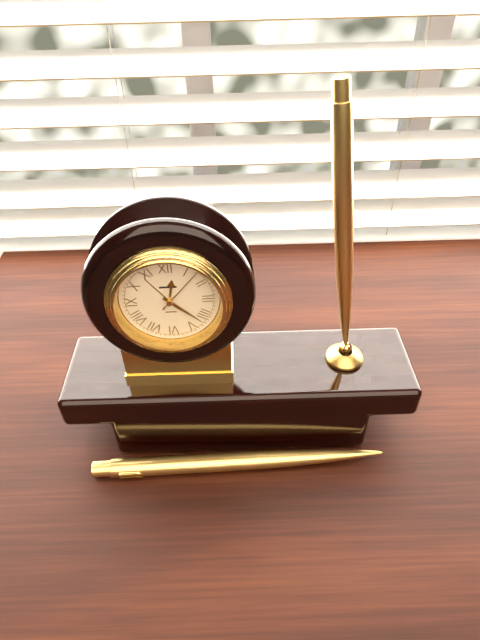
h=12 m=22 s=7
